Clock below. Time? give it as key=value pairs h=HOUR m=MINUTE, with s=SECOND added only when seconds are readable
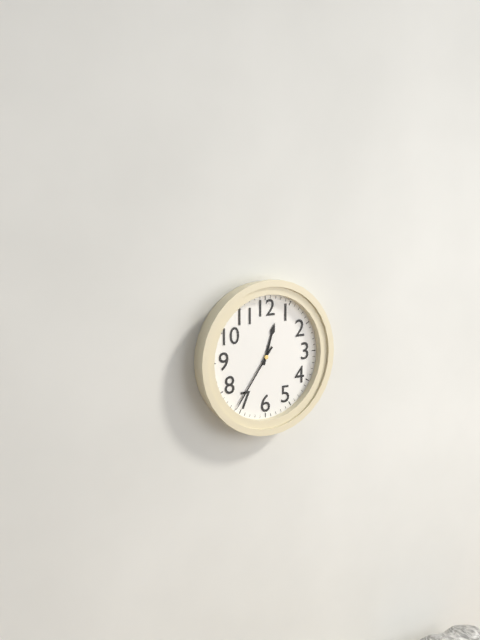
h=12 m=36
